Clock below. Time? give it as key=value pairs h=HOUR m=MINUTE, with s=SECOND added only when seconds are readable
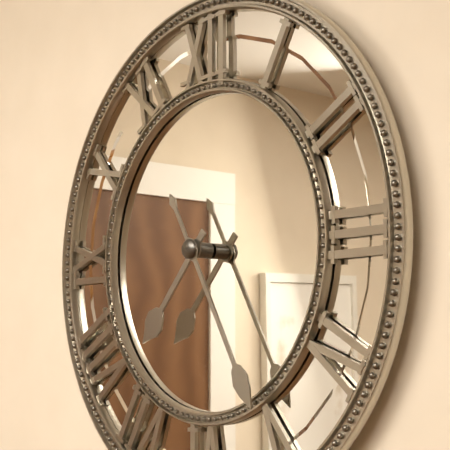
h=7 m=25
